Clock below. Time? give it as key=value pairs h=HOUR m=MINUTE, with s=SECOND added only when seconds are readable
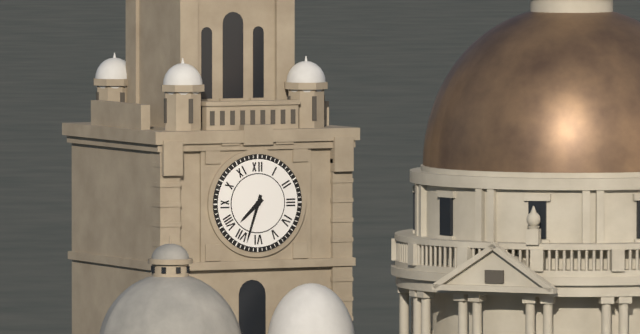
h=7 m=33
